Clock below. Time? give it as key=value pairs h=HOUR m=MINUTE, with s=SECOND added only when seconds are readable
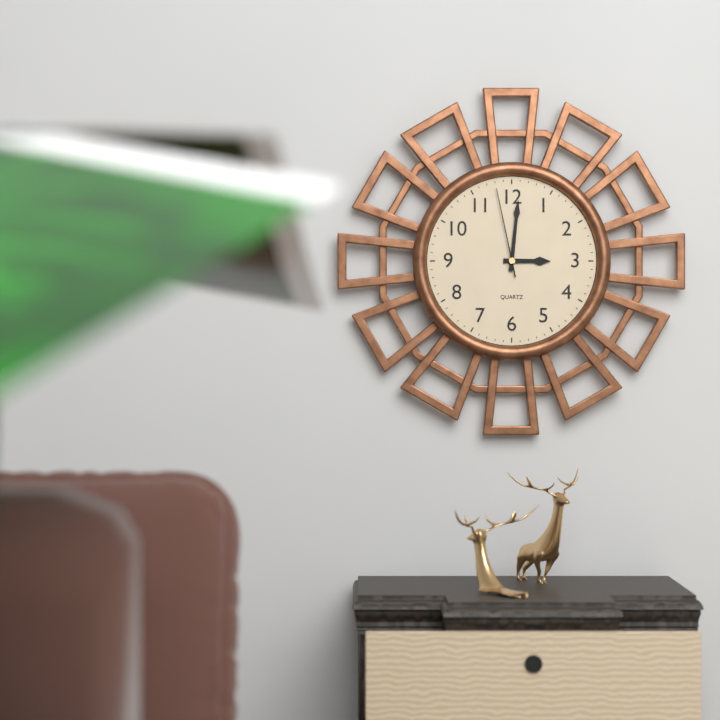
h=3 m=1 s=58
